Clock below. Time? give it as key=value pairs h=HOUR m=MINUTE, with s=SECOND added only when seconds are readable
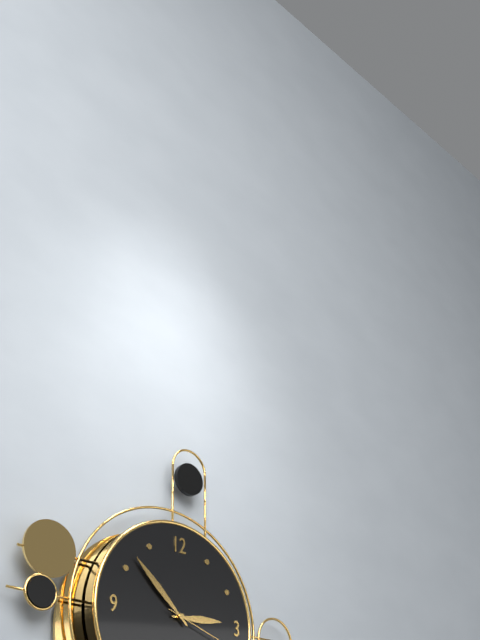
h=2 m=52
